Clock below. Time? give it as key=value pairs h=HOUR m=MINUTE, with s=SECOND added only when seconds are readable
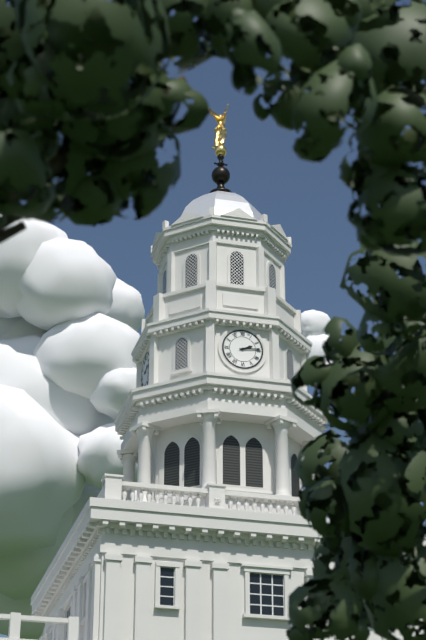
h=2 m=14
